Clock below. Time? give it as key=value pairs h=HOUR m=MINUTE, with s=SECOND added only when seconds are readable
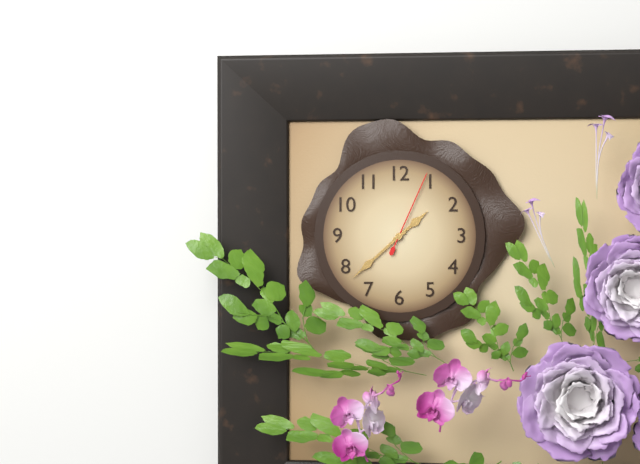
h=1 m=38 s=4
